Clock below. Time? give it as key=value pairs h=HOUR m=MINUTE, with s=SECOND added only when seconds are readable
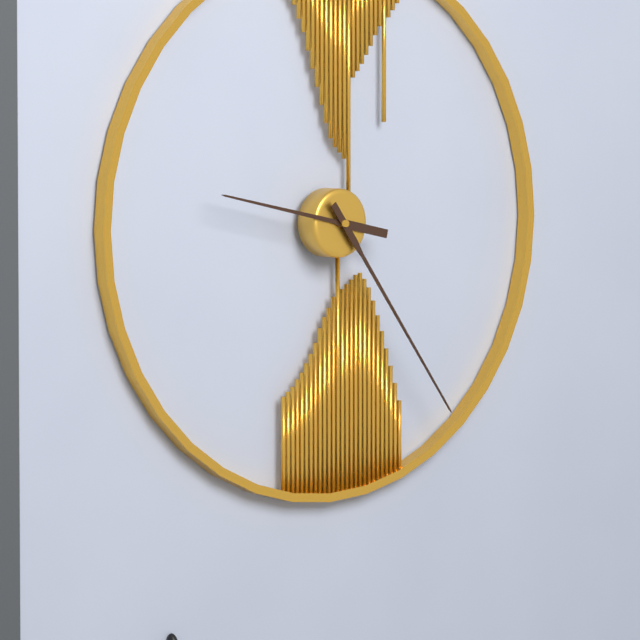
h=9 m=24
